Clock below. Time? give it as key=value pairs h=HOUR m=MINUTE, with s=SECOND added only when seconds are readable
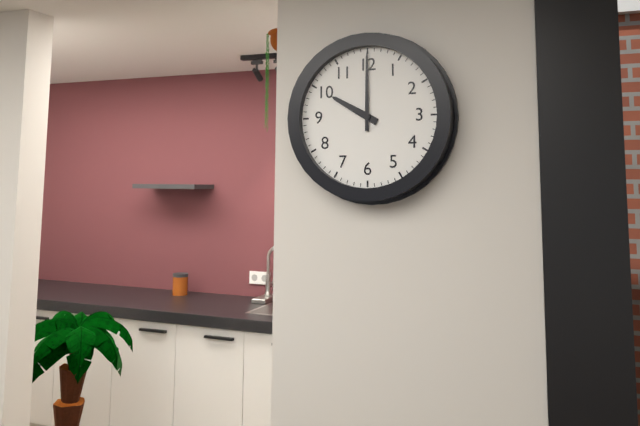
h=10 m=0
